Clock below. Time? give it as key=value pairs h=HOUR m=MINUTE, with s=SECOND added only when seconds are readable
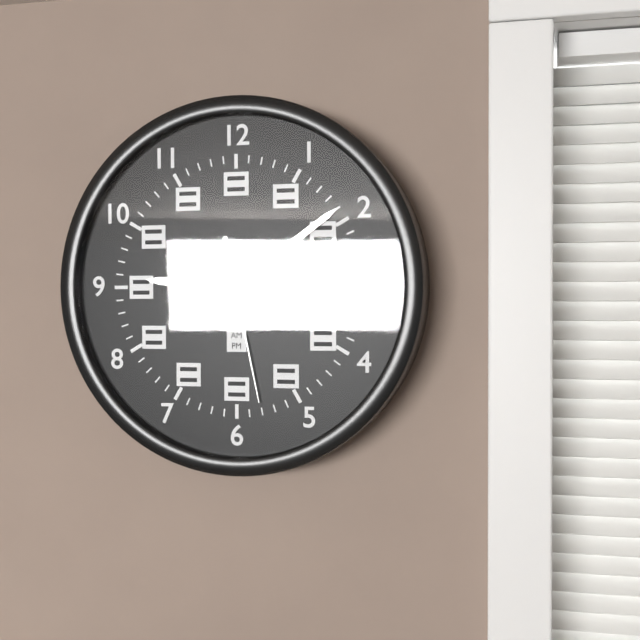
h=9 m=9 s=28
